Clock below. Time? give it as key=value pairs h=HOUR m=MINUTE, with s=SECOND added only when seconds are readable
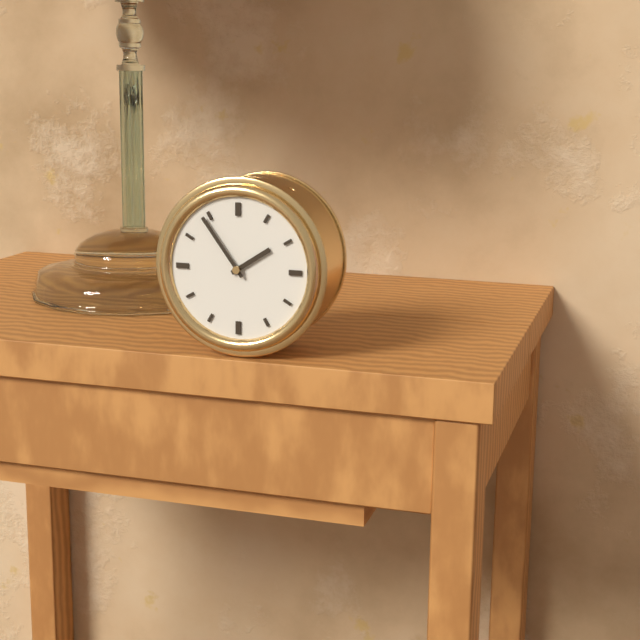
h=1 m=54
